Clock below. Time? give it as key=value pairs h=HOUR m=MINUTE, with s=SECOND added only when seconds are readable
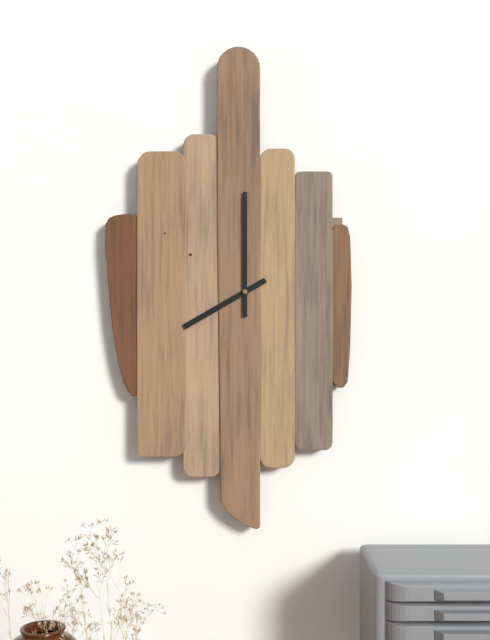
h=8 m=0
